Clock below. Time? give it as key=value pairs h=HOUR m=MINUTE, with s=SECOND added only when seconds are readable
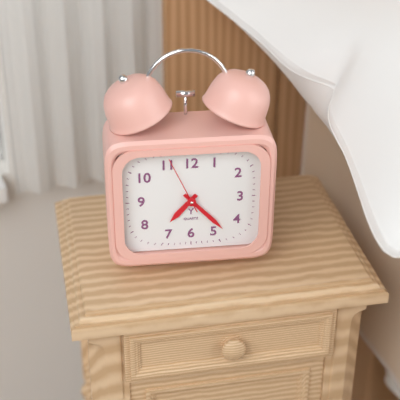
h=7 m=23 s=56
